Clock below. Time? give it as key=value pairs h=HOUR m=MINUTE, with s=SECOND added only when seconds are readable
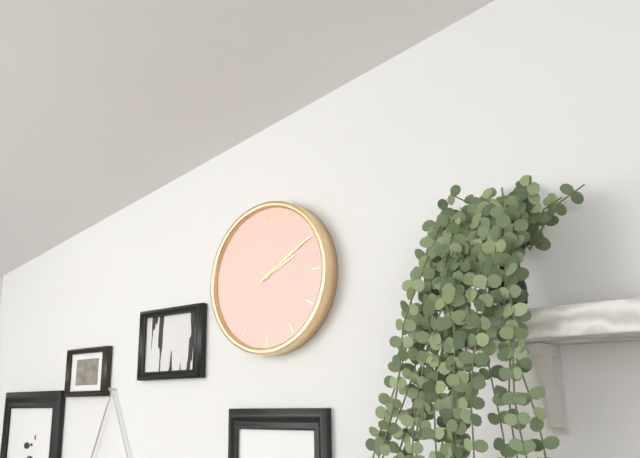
h=2 m=10
